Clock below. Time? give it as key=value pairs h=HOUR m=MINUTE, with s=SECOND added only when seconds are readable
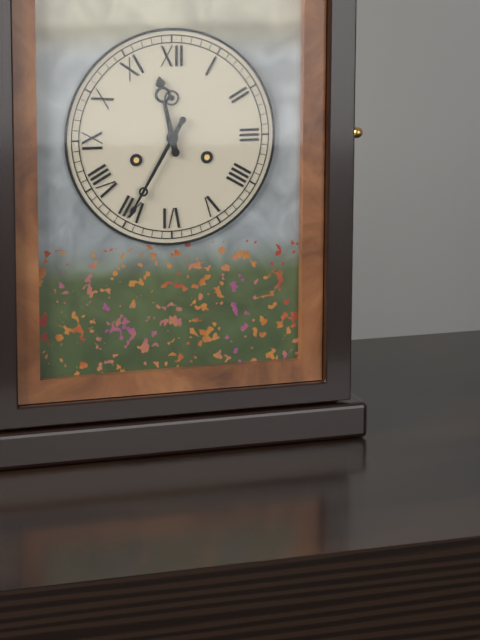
h=11 m=35
